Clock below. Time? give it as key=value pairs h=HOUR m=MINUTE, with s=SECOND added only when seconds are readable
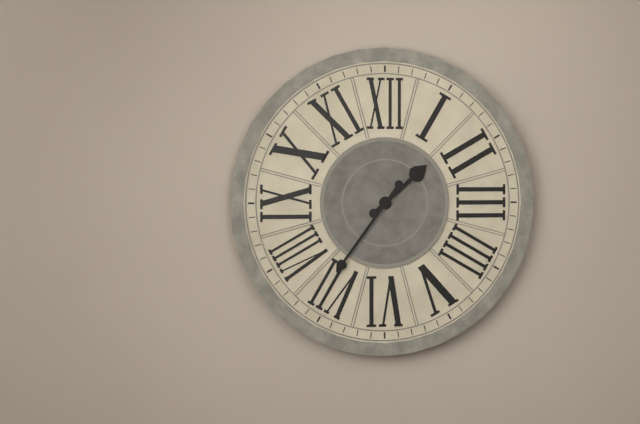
h=1 m=36
